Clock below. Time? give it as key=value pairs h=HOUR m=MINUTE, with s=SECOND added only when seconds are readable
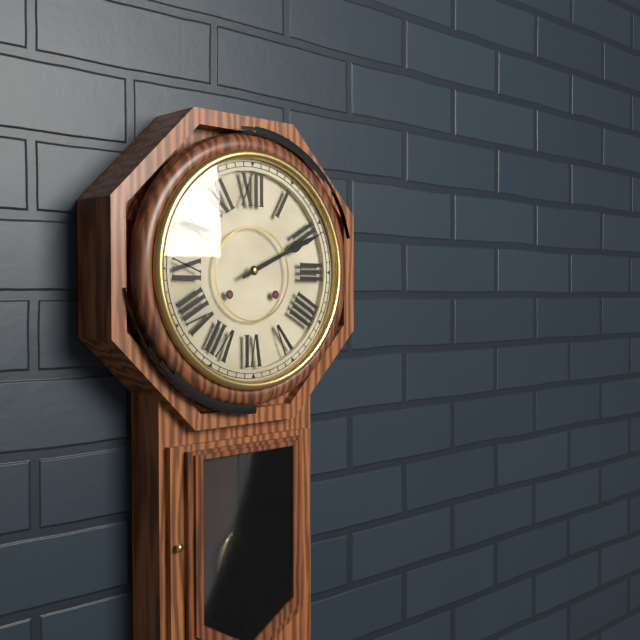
h=2 m=11
